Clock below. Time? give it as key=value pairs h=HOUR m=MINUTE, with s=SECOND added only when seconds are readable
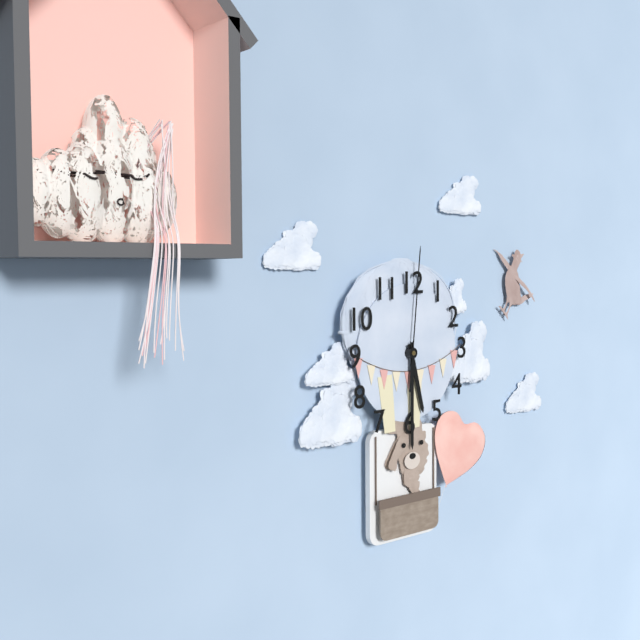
h=5 m=30 s=1
